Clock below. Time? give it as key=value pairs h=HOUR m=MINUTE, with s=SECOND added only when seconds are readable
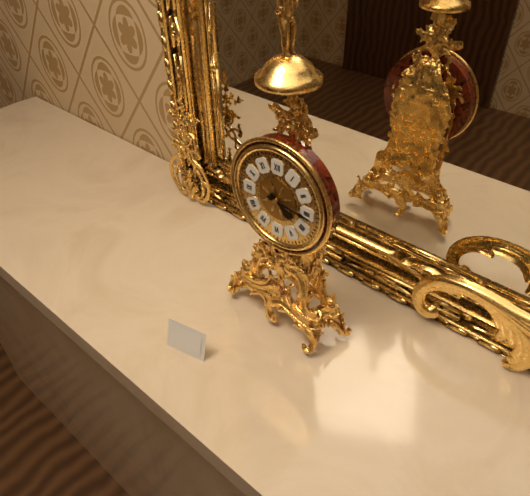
h=4 m=16
